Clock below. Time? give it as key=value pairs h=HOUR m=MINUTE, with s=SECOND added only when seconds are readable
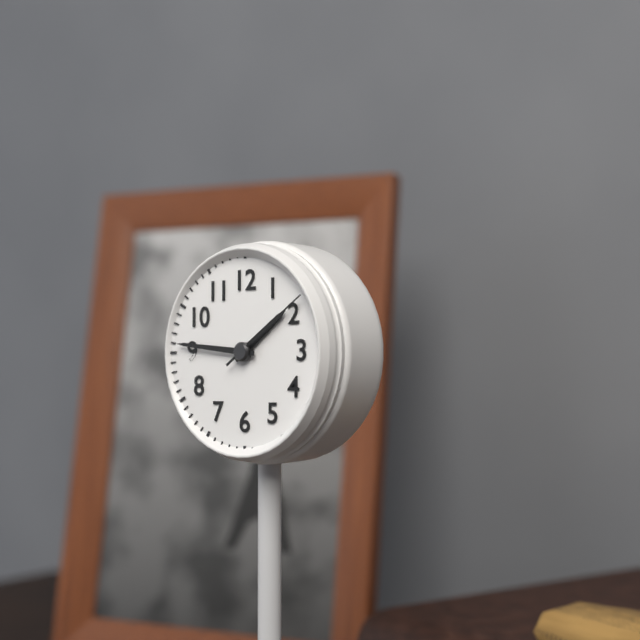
h=1 m=46 s=9
